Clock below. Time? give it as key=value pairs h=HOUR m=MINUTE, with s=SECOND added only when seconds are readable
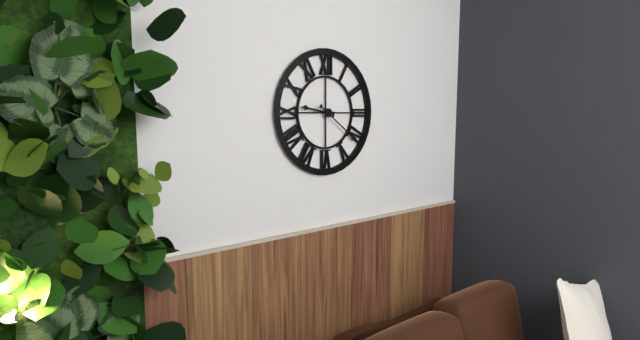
h=9 m=21
